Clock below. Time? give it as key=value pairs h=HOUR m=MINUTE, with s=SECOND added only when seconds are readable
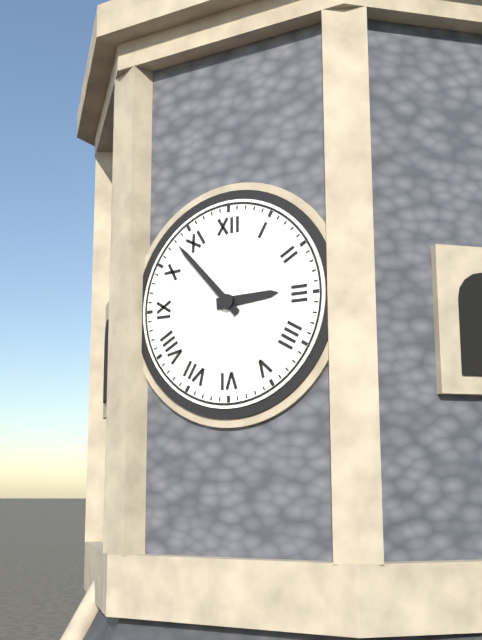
h=2 m=53
